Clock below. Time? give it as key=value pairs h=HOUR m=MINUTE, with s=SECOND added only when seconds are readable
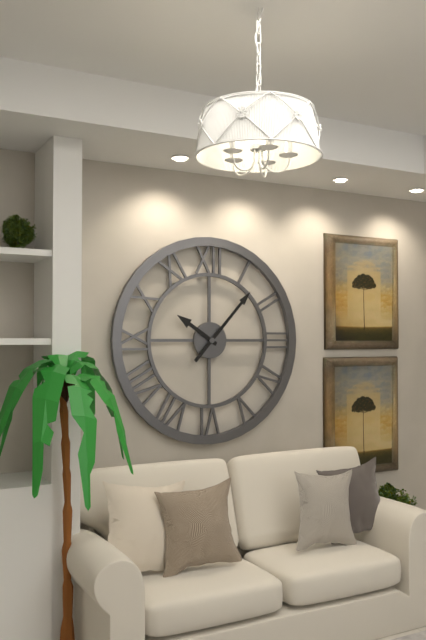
h=10 m=7
